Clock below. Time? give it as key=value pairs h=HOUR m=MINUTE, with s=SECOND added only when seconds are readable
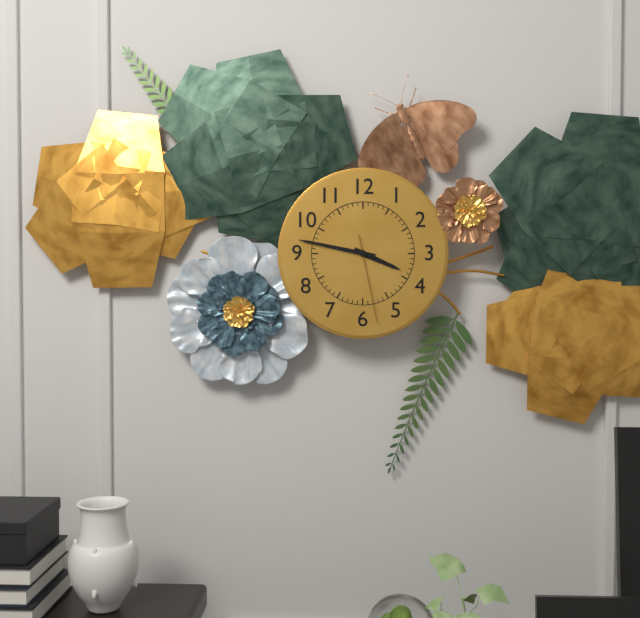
h=3 m=47 s=28
